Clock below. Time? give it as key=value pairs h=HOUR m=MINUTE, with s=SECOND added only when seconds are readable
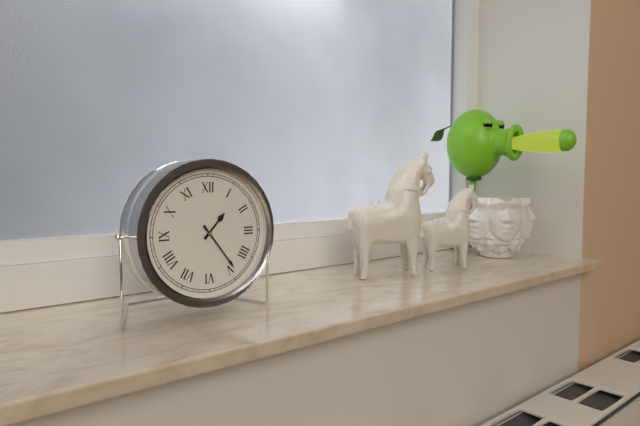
h=1 m=24
